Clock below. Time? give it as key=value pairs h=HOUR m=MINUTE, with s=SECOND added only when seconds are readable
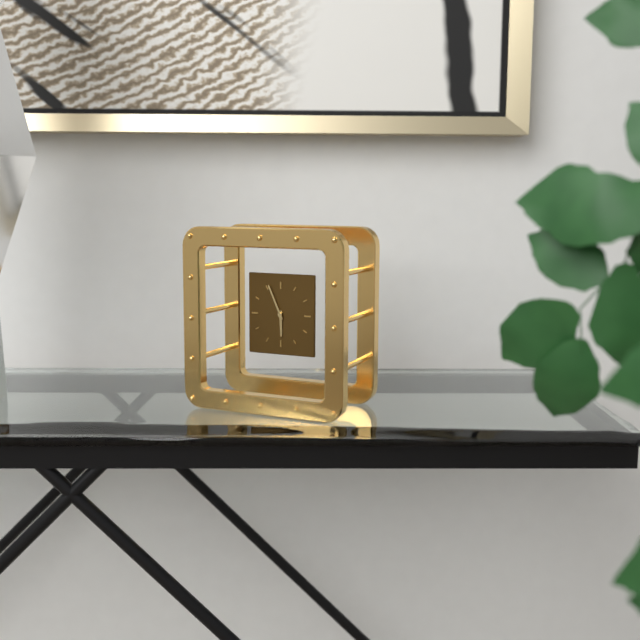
h=5 m=56
